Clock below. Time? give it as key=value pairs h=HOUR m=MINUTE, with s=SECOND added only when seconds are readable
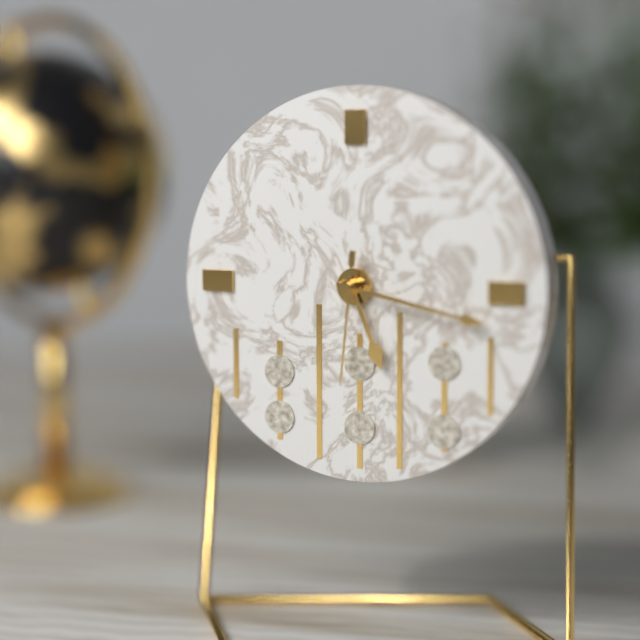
h=5 m=17 s=31
